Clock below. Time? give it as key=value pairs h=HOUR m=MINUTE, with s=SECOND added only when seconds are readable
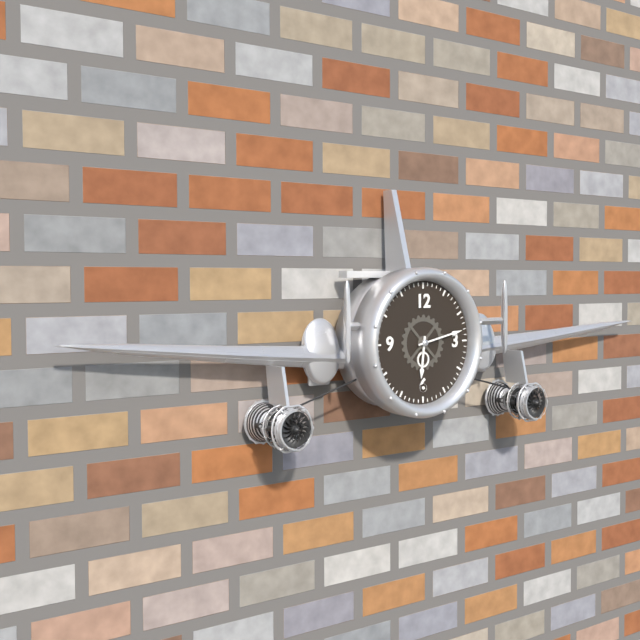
h=6 m=13
